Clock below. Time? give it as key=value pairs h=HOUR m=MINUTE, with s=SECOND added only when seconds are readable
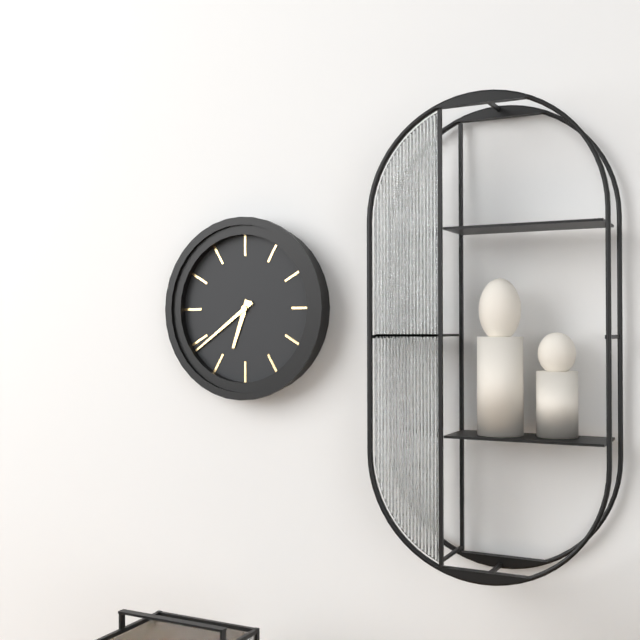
h=6 m=39
